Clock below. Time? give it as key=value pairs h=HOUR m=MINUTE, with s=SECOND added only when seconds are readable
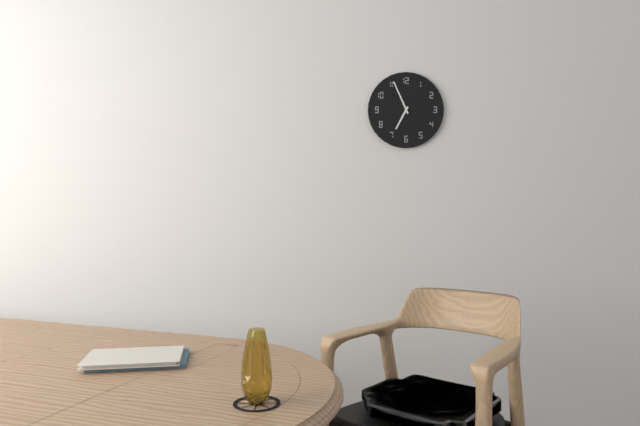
h=6 m=56
